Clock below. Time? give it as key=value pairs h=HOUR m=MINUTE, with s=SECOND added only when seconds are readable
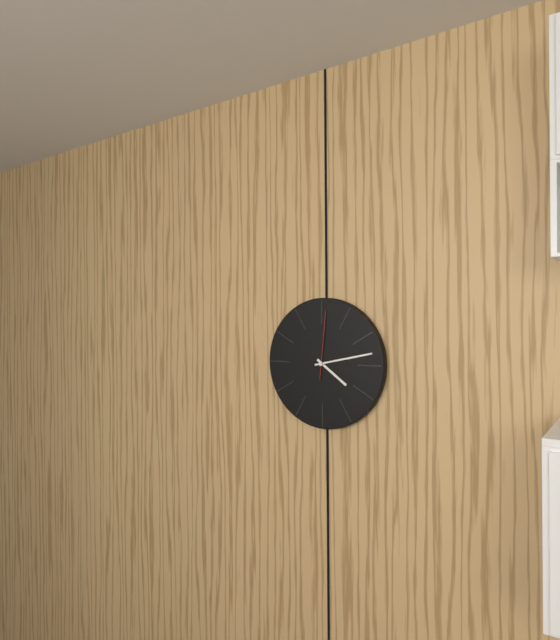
h=4 m=13 s=1
